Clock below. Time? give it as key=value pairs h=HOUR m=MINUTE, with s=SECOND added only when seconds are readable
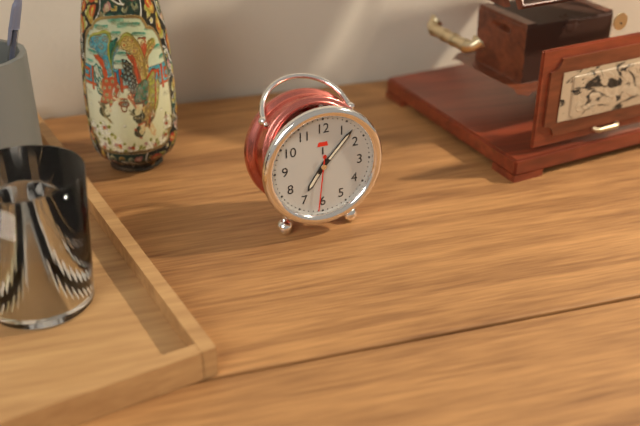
h=7 m=7 s=31
